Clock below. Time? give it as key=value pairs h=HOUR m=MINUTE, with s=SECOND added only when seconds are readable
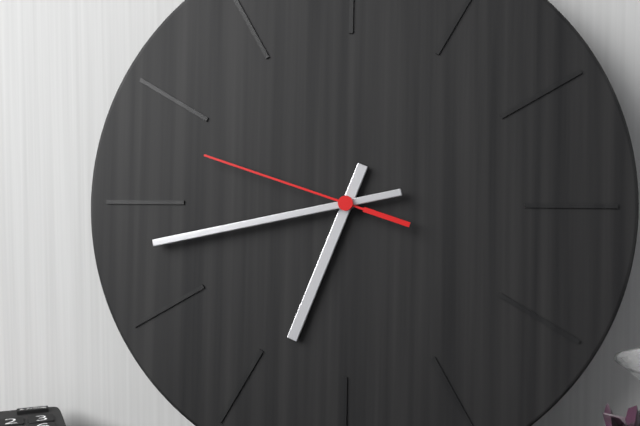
h=6 m=43 s=48
